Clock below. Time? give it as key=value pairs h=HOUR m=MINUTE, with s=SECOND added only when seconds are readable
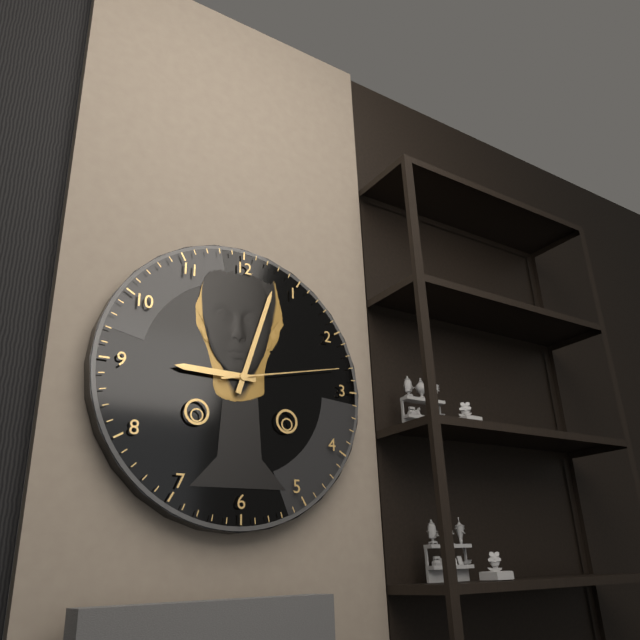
h=9 m=3 s=13
